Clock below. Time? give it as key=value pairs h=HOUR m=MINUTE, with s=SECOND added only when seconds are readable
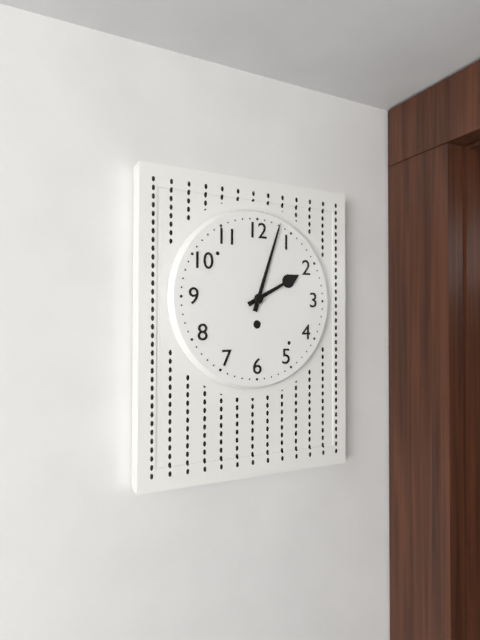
h=2 m=3
